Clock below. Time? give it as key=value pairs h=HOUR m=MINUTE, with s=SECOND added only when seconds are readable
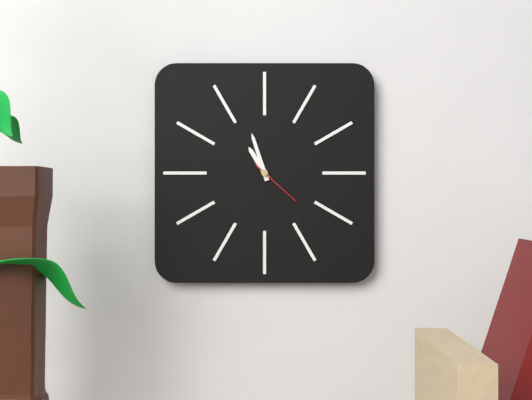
h=10 m=57 s=22
